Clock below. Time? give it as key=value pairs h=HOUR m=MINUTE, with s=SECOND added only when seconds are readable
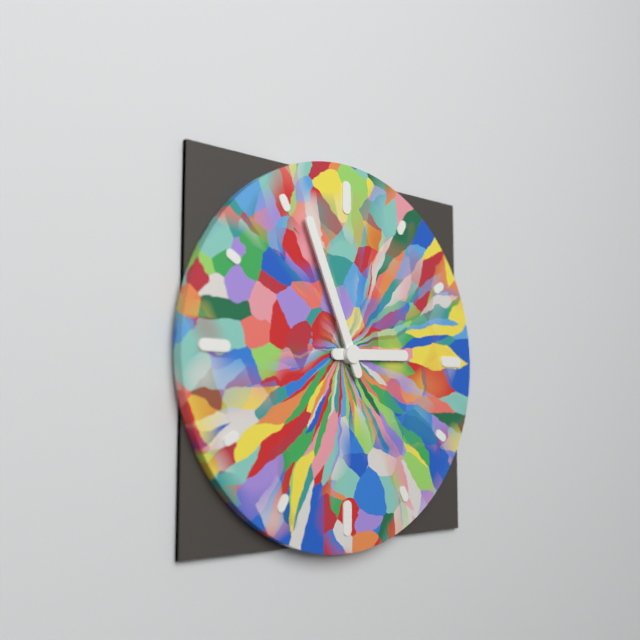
h=2 m=56
